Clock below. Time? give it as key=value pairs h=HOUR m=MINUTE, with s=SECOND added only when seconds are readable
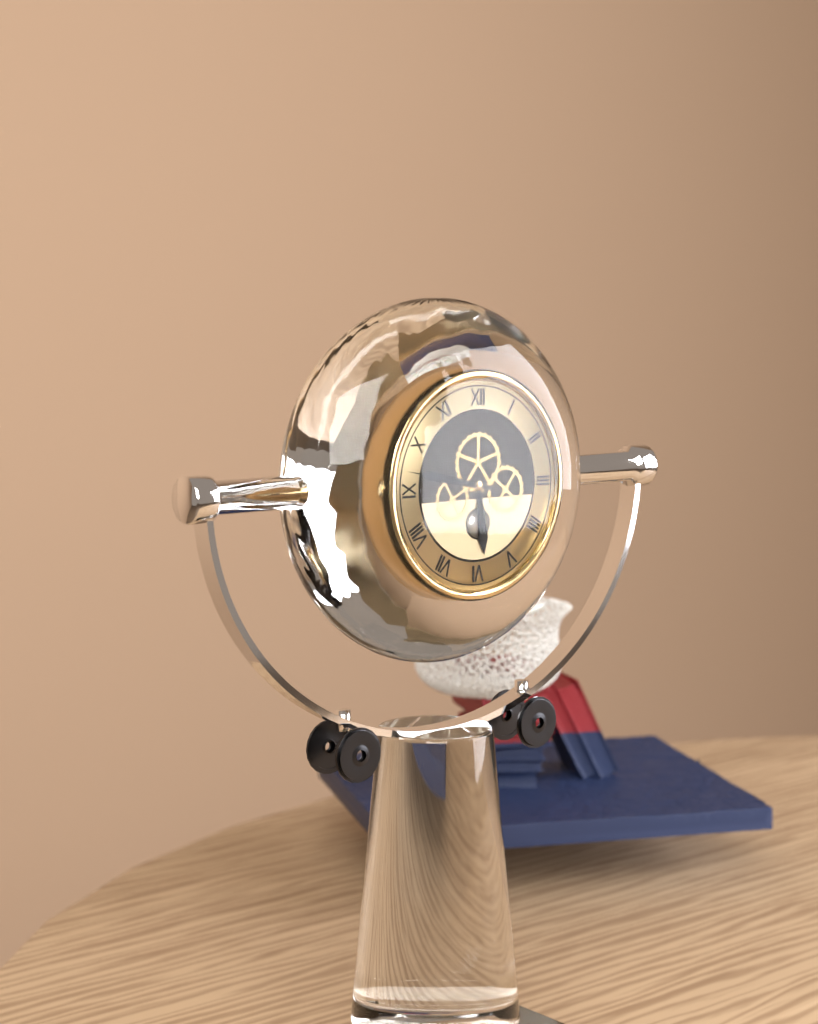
h=5 m=47
